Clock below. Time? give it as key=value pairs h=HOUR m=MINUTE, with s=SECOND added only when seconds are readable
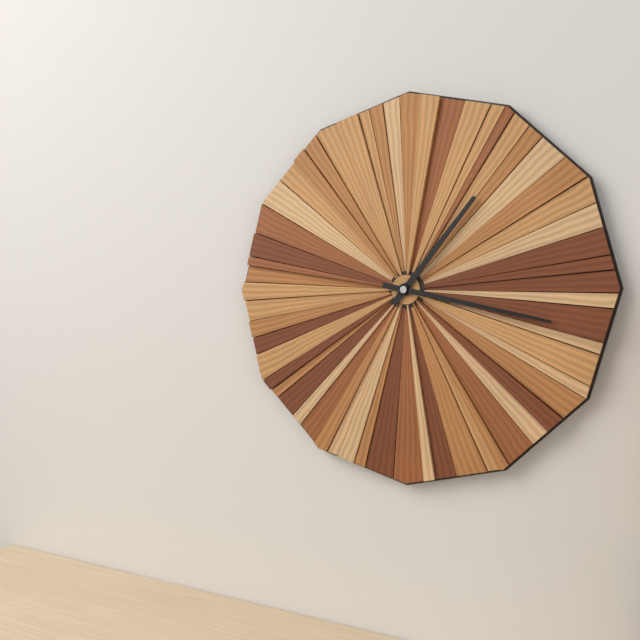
h=1 m=17
